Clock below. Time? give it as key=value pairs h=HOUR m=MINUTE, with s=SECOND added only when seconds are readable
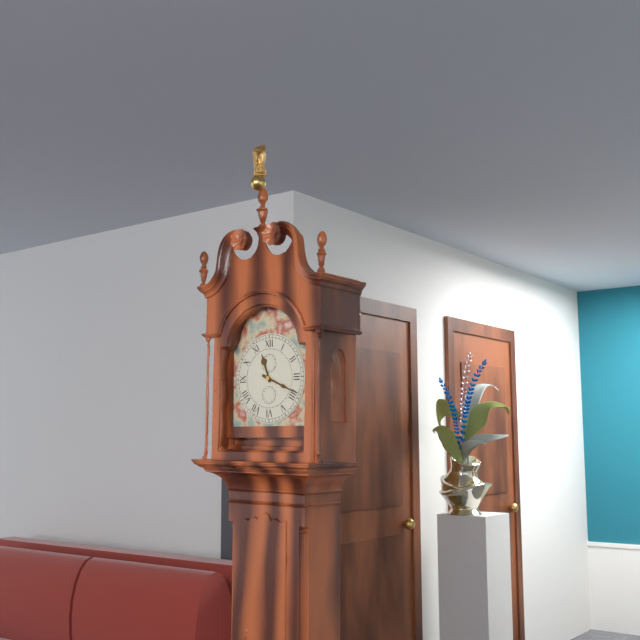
h=11 m=19
